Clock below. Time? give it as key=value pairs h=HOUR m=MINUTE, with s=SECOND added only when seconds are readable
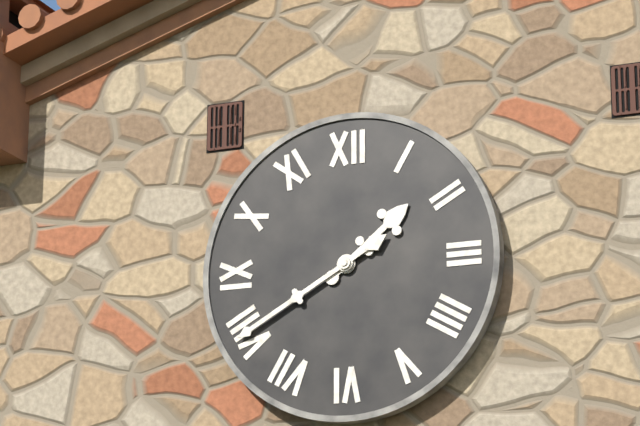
h=1 m=40
